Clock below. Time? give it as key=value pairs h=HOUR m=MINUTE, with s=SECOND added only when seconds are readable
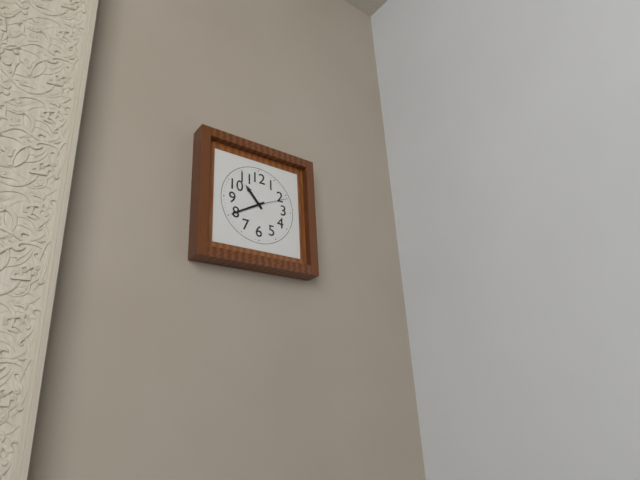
h=10 m=40
